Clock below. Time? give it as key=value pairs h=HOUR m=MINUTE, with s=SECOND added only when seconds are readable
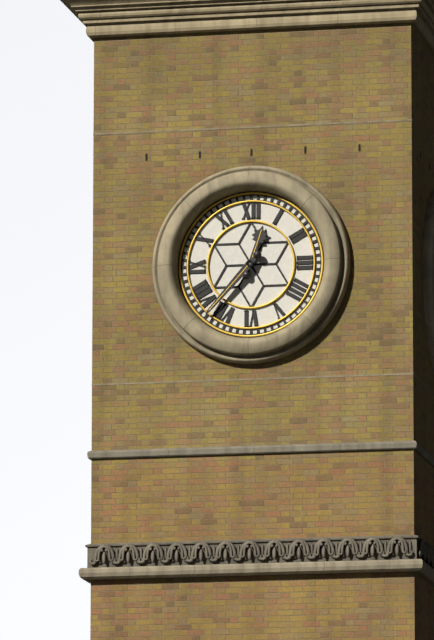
h=12 m=37
